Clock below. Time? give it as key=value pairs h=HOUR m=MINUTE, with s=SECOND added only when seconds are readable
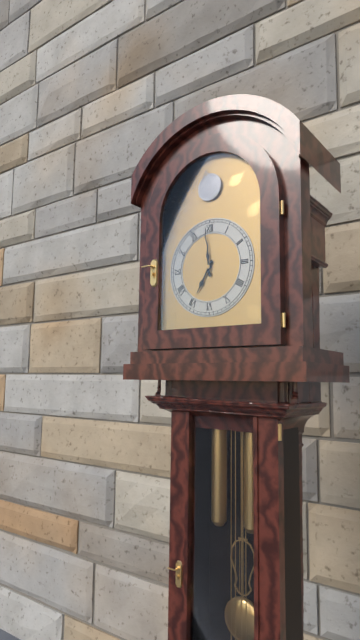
h=6 m=59
